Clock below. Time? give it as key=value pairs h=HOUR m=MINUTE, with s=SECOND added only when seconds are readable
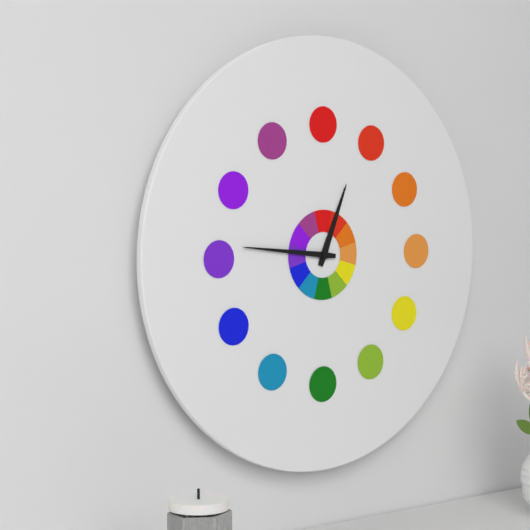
h=12 m=46
